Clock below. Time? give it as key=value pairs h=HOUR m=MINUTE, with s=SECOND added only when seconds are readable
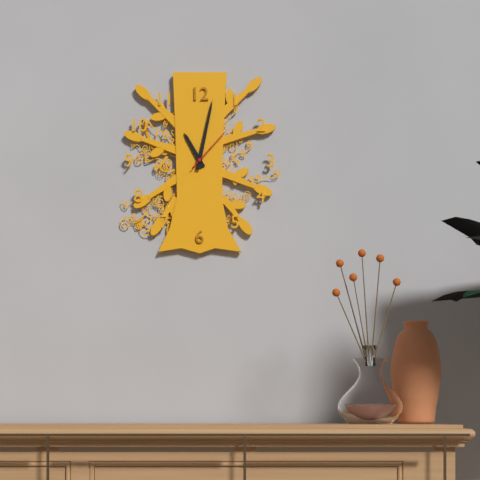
h=11 m=2 s=7
